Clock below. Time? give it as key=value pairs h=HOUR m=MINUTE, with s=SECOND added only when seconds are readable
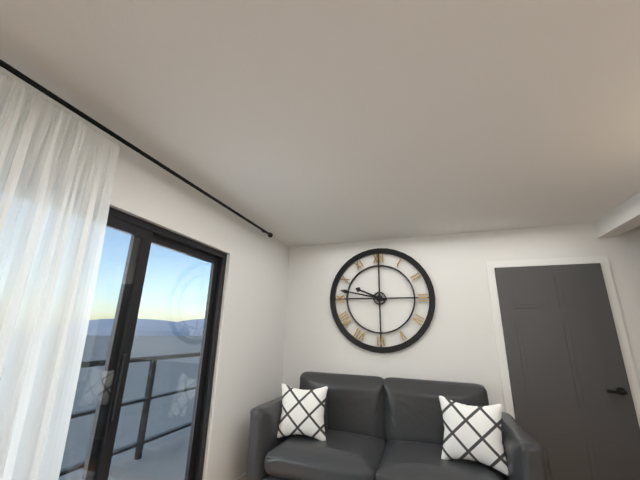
h=9 m=47
